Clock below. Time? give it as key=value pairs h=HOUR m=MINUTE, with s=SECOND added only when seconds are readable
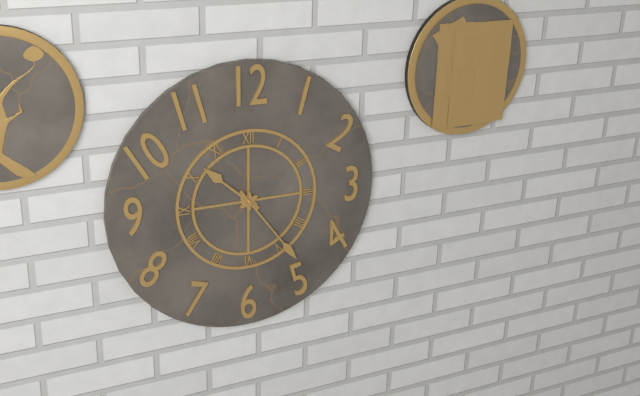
h=10 m=24
